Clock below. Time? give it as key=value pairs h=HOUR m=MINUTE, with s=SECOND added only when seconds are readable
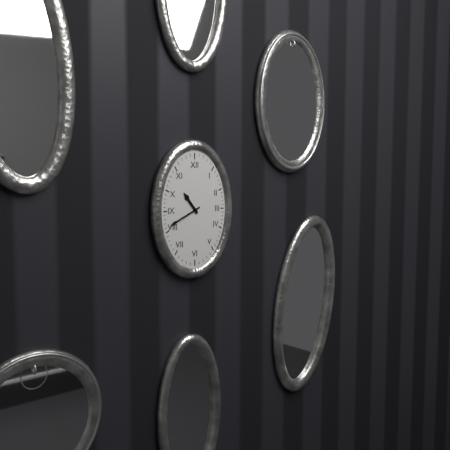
h=10 m=41
